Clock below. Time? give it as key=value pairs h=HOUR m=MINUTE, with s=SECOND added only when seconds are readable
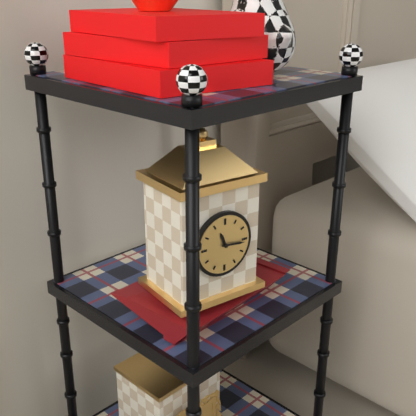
h=11 m=16
